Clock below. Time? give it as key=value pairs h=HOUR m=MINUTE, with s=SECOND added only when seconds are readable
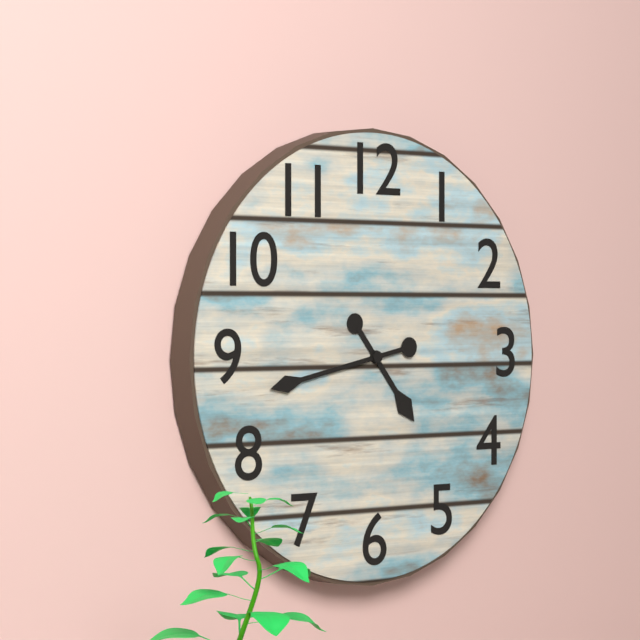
h=4 m=43
